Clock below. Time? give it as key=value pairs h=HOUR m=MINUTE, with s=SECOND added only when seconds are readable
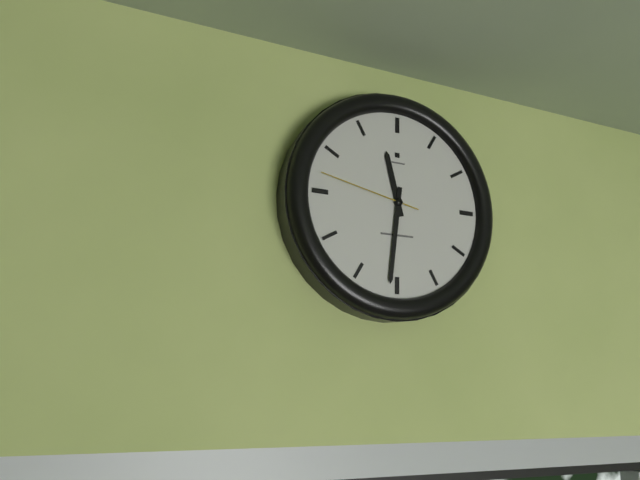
h=11 m=31 s=47
